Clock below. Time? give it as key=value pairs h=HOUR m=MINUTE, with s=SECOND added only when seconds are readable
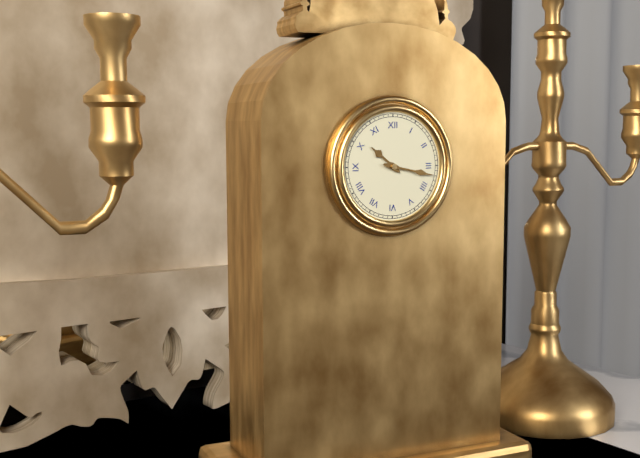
h=10 m=17
